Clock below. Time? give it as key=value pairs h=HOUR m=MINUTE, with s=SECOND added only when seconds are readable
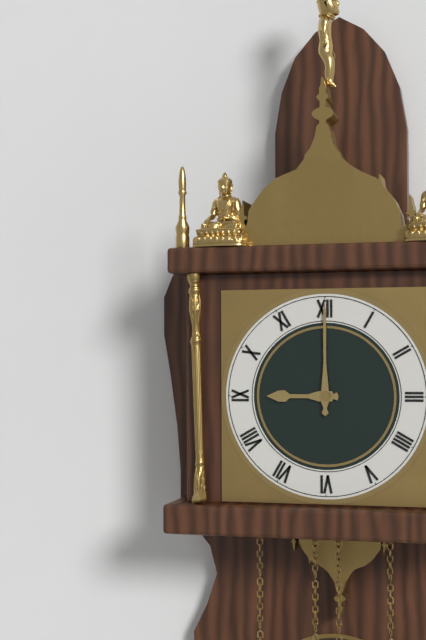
h=9 m=0
